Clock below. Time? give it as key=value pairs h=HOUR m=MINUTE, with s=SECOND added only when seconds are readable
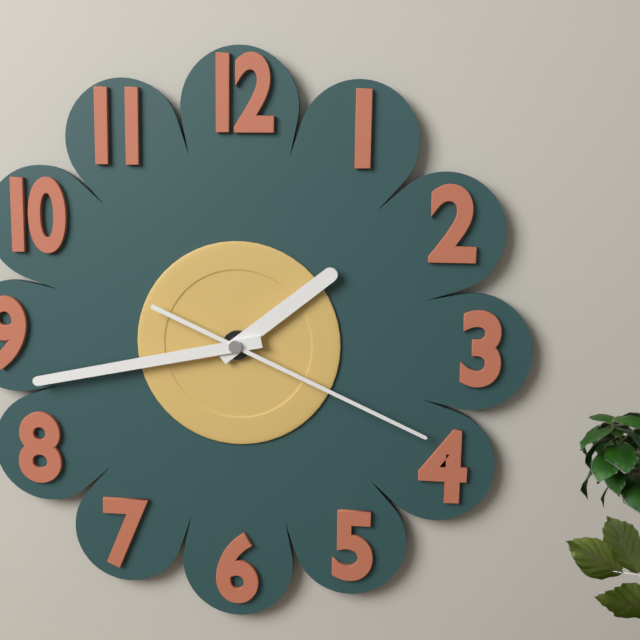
h=1 m=43 s=19
